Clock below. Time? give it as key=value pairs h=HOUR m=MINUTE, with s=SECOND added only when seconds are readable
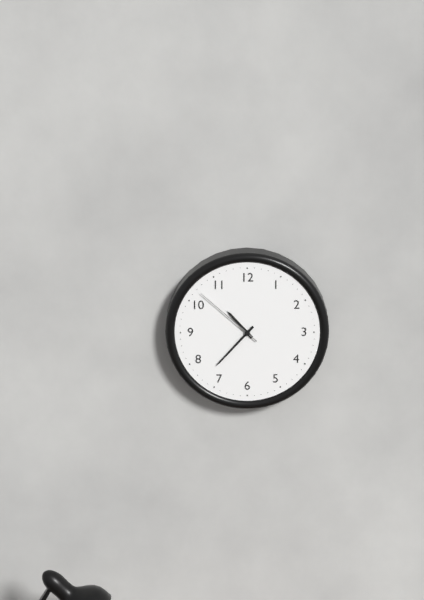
h=10 m=37 s=52
